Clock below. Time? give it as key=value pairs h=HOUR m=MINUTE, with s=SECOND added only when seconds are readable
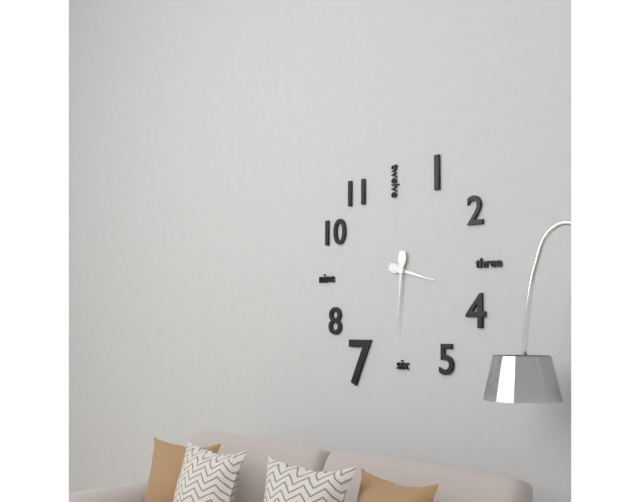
h=3 m=31
